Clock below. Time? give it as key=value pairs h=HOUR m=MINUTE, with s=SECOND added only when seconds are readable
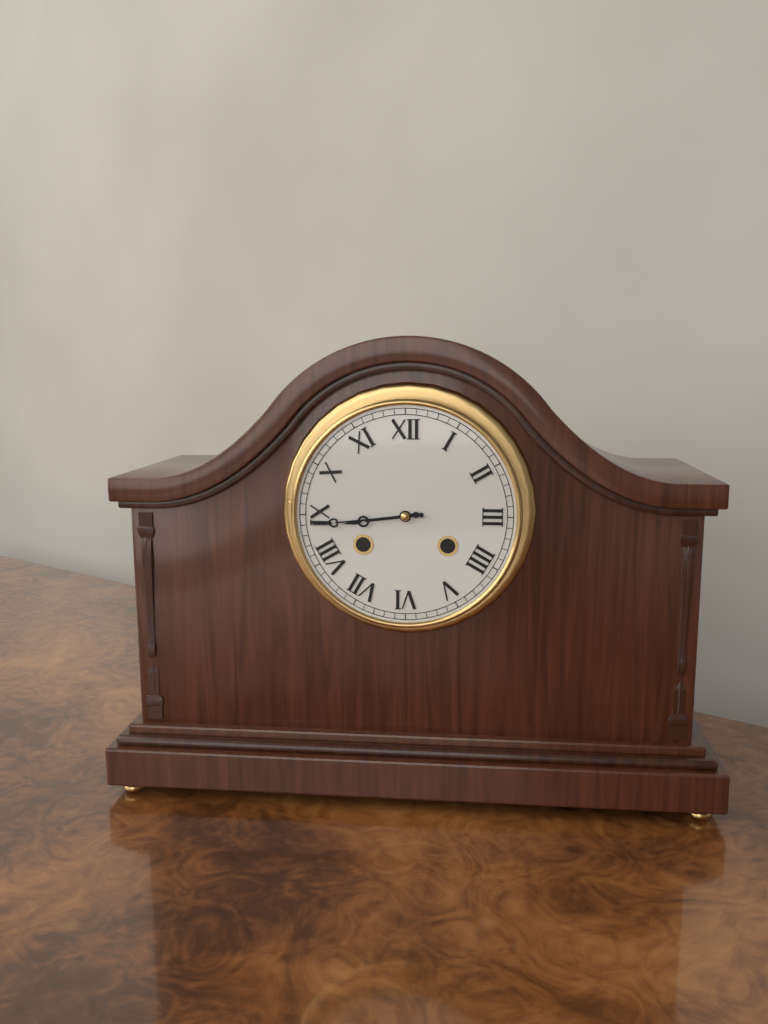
h=8 m=44
